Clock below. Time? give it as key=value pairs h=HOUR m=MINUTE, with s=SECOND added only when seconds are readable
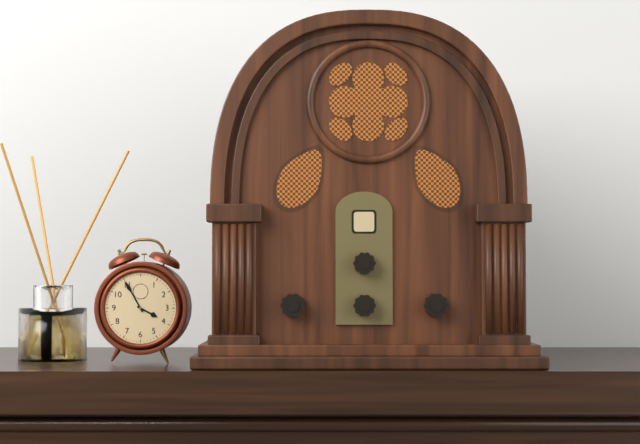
h=3 m=55
